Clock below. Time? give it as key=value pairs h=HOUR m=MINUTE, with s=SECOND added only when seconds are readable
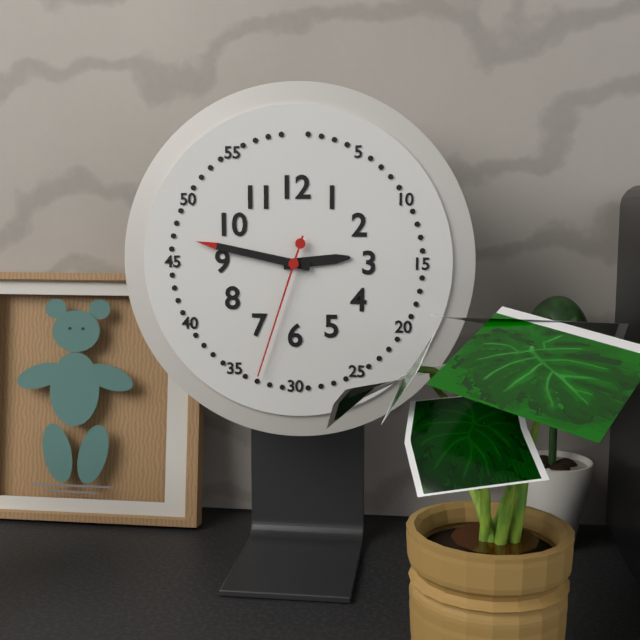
h=2 m=47 s=33
